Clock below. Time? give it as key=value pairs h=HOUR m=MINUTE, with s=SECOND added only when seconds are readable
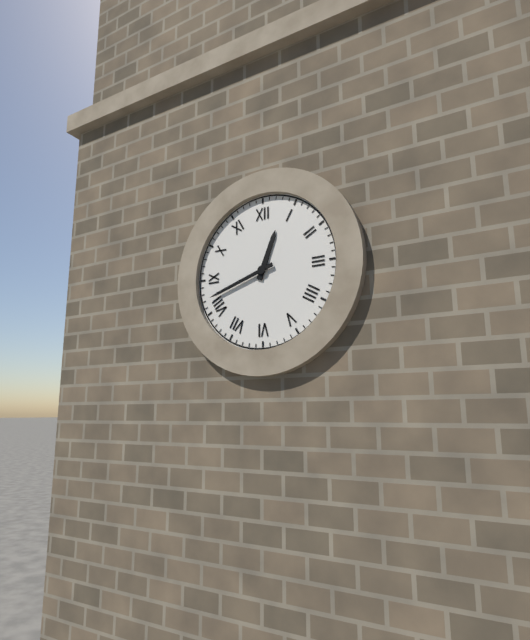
h=12 m=42
